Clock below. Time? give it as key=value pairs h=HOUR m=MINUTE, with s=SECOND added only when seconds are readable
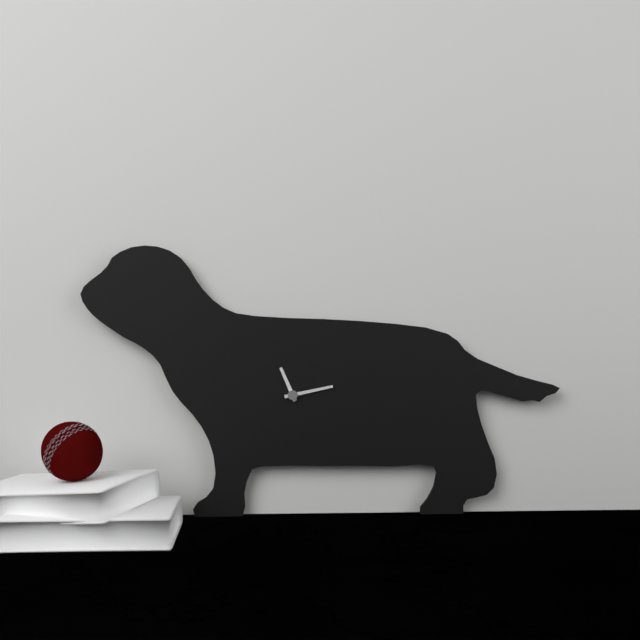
h=11 m=13
